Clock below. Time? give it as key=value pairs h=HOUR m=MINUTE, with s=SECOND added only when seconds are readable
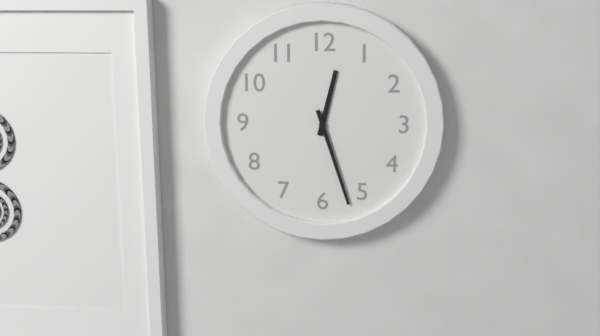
h=12 m=27
